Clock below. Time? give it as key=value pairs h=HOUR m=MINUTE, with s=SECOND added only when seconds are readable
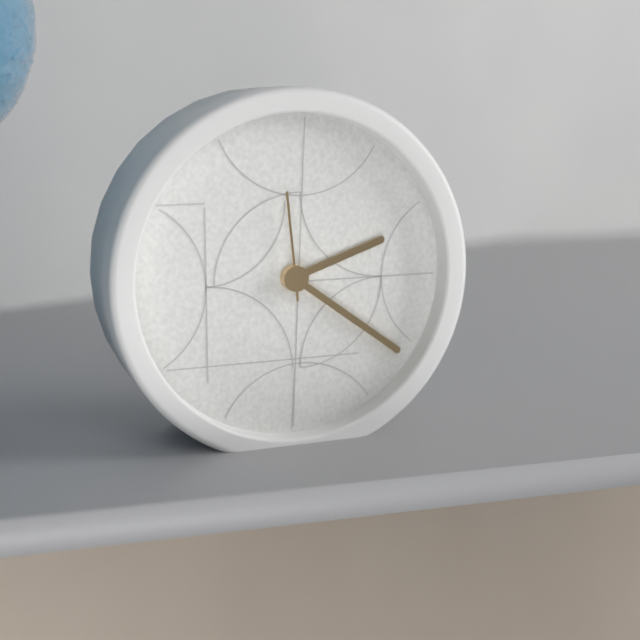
h=2 m=21 s=59
